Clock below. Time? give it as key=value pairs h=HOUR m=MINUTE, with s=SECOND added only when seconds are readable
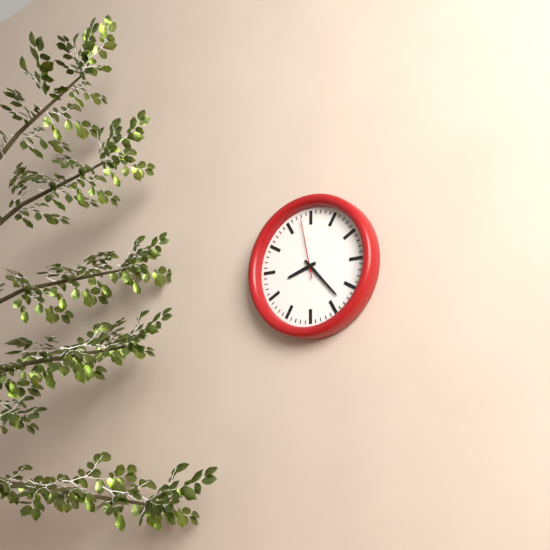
h=8 m=23 s=58
